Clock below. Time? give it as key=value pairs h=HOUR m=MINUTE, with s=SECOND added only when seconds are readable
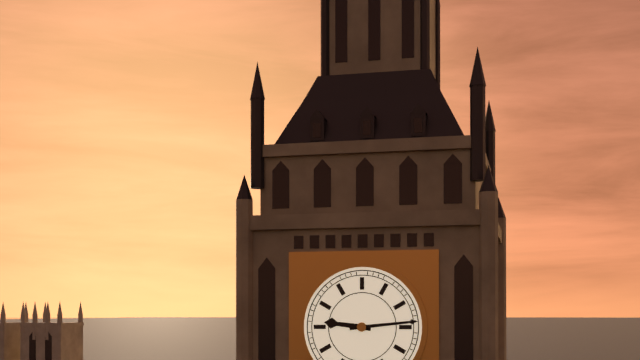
h=9 m=14
